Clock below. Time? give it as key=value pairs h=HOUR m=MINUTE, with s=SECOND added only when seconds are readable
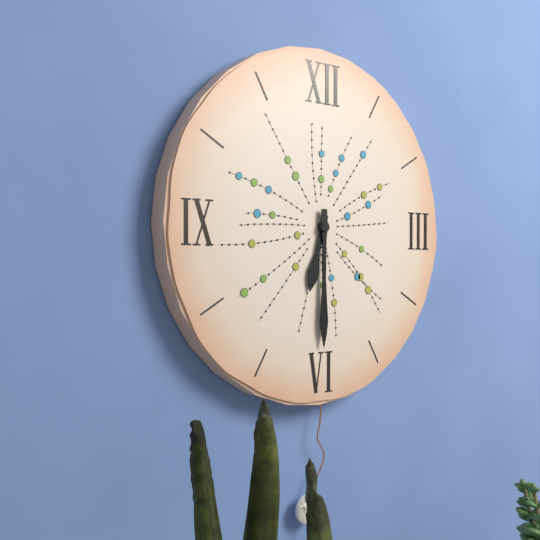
h=6 m=30
